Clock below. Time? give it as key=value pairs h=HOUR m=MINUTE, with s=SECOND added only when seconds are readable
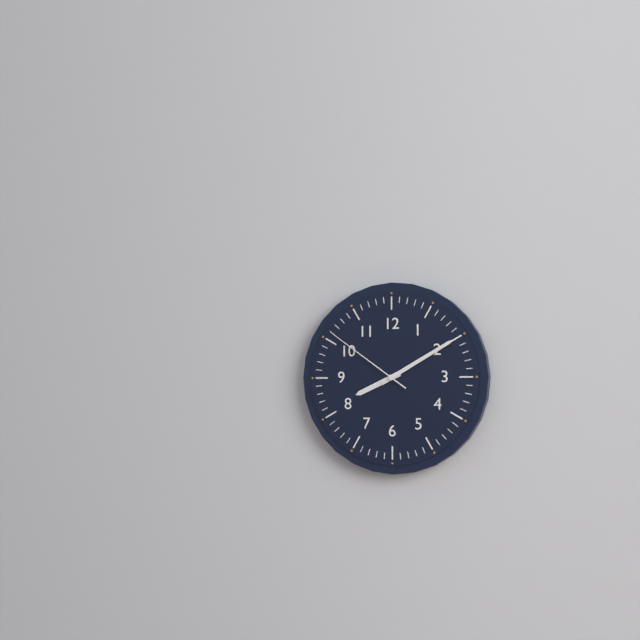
h=8 m=10 s=51
